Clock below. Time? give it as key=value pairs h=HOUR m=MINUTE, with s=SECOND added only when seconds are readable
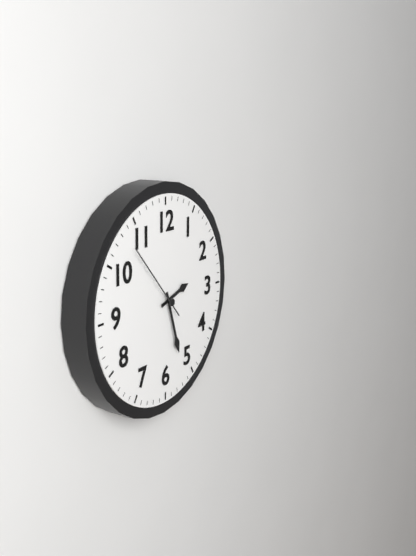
h=2 m=27 s=53
